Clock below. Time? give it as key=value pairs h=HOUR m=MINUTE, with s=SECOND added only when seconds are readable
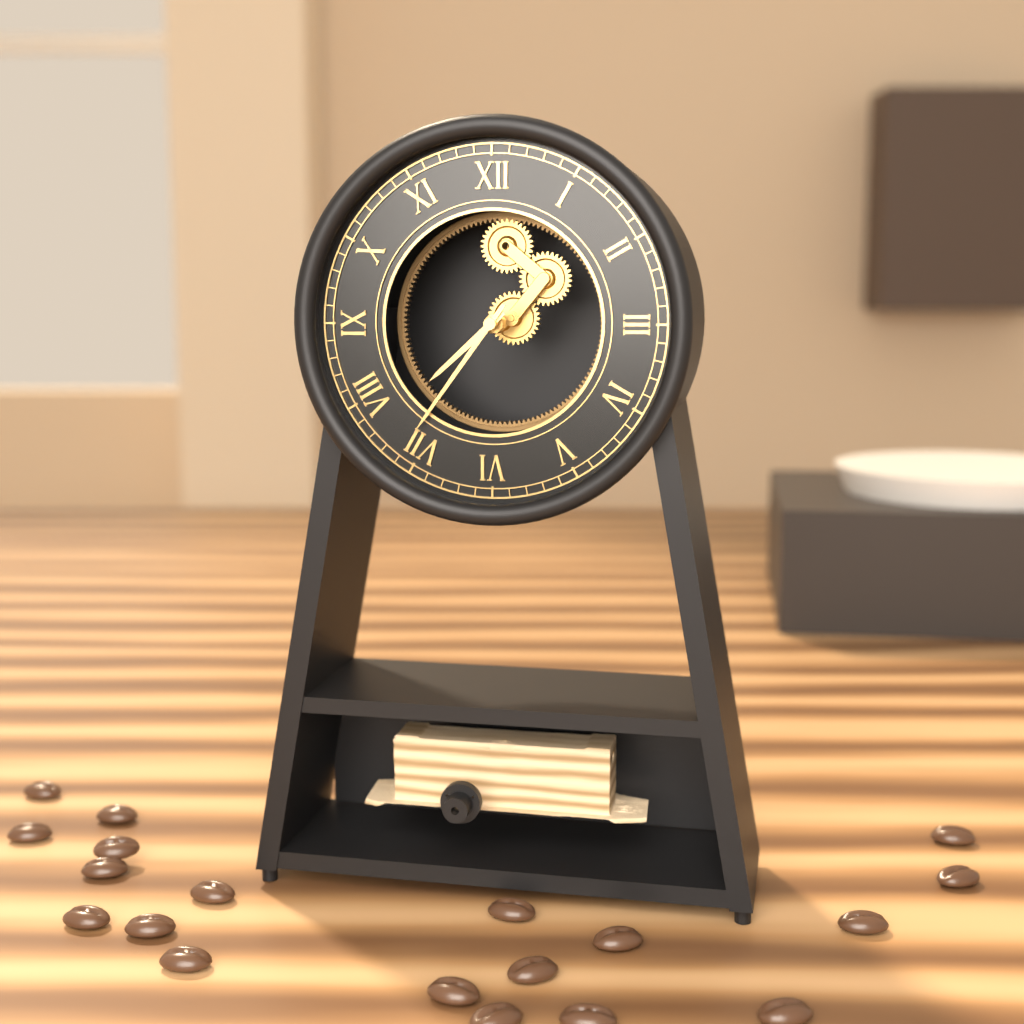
h=7 m=36
